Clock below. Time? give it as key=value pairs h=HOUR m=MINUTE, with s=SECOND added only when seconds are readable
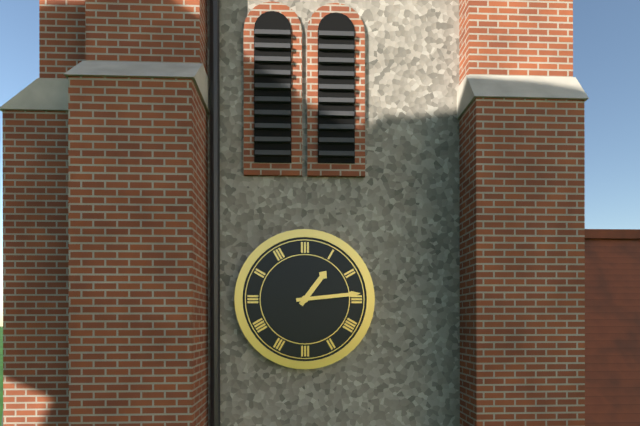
h=1 m=14
